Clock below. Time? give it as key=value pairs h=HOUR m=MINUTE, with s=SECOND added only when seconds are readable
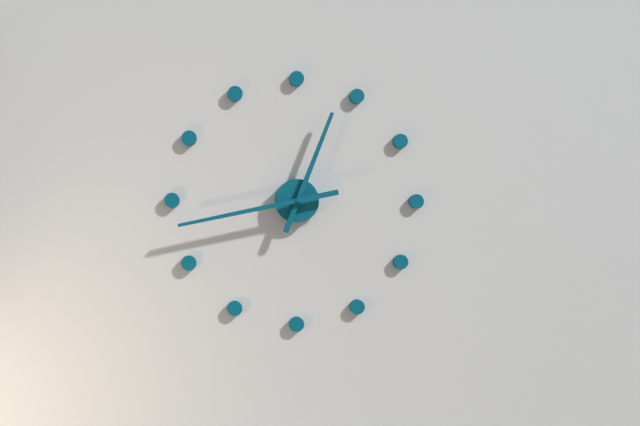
h=12 m=43
